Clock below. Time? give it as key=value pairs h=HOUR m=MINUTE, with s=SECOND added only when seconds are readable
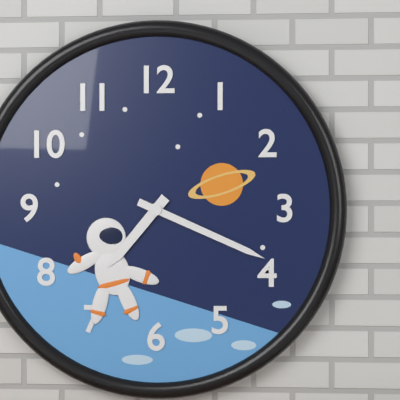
h=7 m=19
